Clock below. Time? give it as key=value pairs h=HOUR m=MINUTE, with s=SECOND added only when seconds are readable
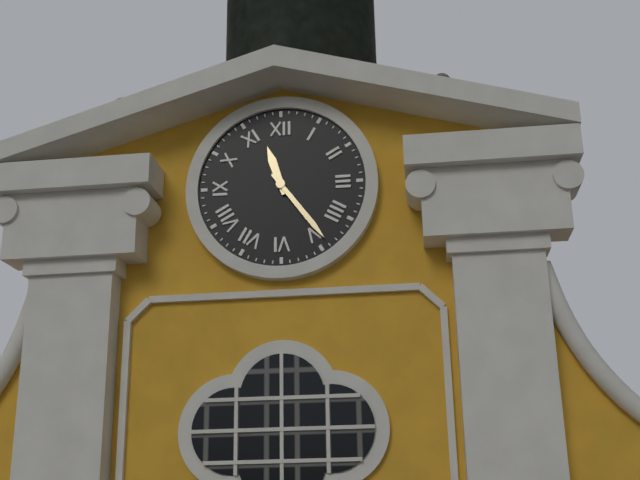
h=11 m=24
